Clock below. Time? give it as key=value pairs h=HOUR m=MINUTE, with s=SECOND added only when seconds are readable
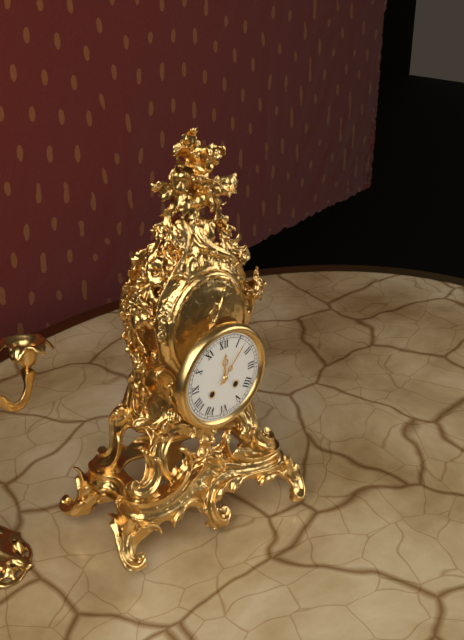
h=12 m=7
